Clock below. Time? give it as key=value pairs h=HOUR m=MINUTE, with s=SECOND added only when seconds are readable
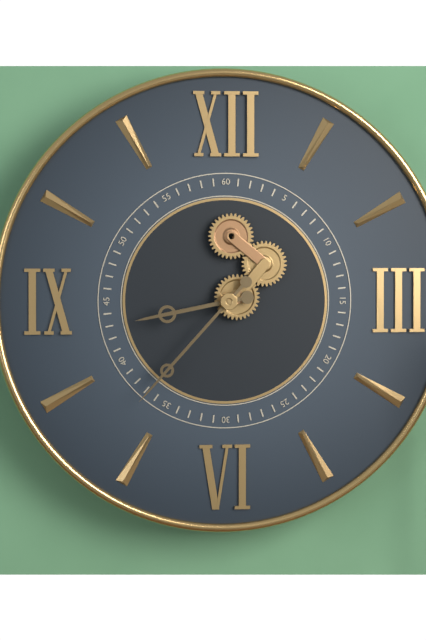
h=8 m=37
